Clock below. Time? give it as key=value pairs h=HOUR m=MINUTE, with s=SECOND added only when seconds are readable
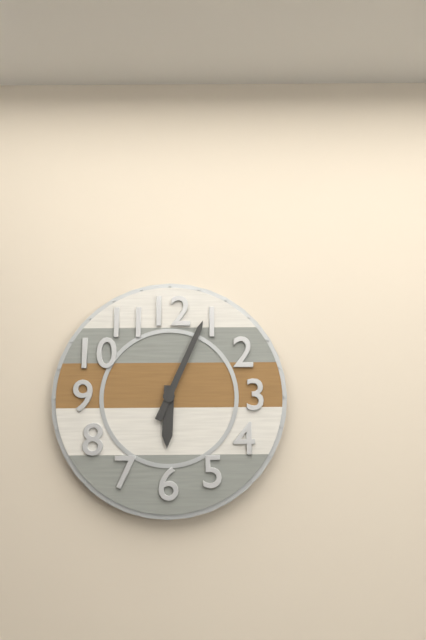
h=6 m=4
